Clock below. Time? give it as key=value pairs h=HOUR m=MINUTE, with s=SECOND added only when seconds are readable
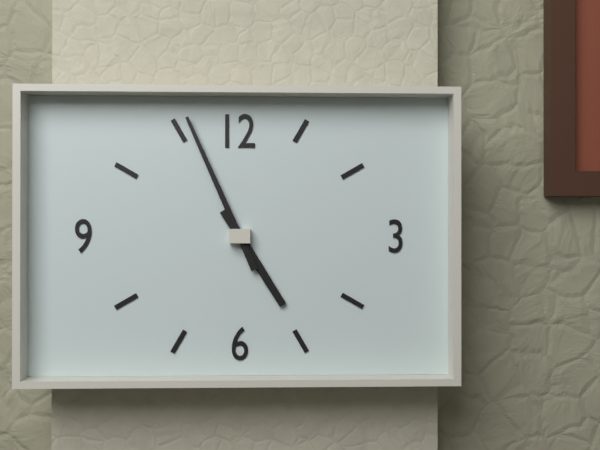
h=4 m=56
